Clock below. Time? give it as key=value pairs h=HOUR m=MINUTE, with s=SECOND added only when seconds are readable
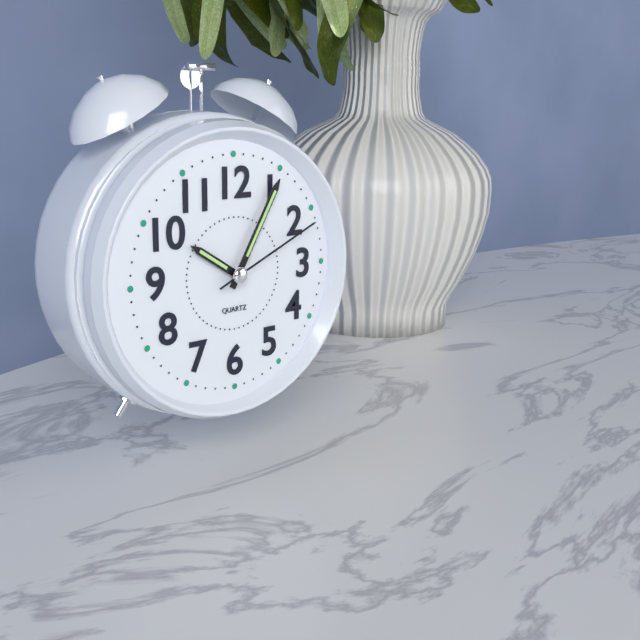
h=10 m=5 s=11
